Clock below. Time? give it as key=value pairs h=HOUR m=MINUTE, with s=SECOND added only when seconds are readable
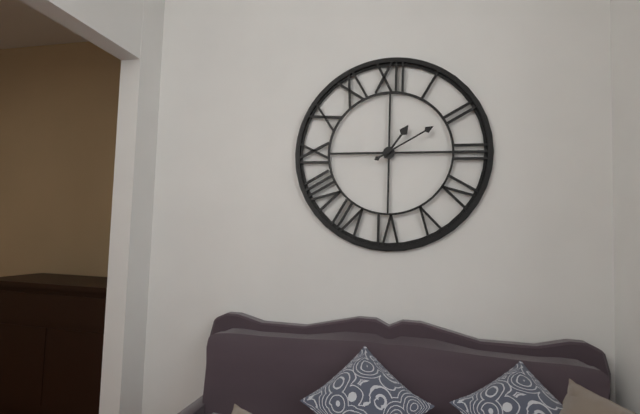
h=1 m=10
